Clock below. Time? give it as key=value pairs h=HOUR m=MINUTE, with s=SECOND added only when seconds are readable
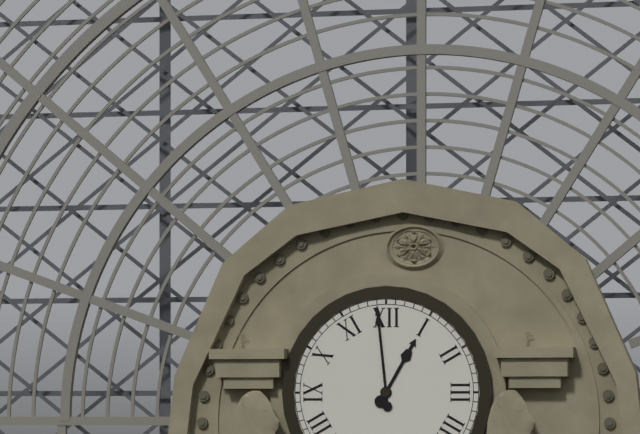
h=12 m=59
